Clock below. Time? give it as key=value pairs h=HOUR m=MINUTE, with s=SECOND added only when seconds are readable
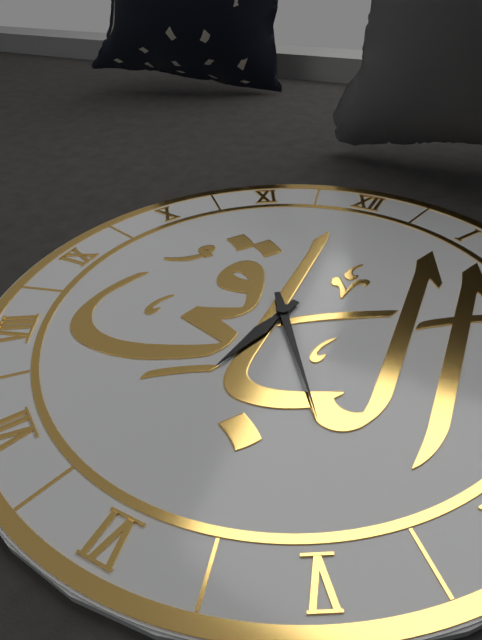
h=6 m=24
